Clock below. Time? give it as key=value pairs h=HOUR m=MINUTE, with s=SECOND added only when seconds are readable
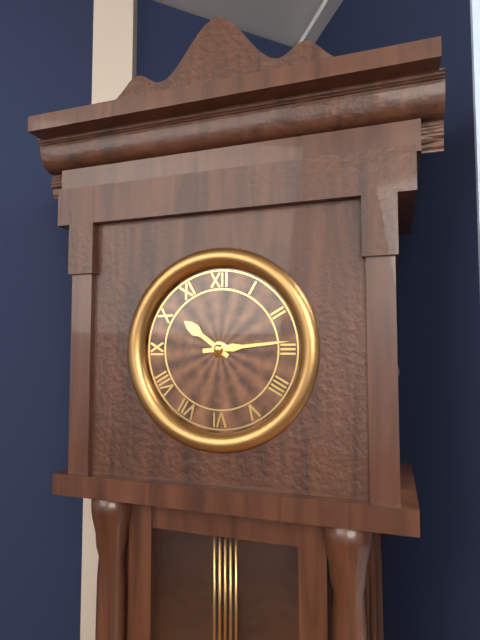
h=10 m=14
